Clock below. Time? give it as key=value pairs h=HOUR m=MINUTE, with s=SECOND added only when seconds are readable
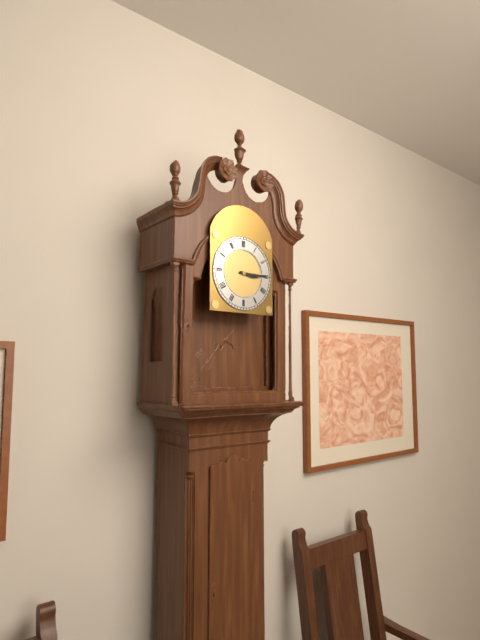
h=3 m=15
